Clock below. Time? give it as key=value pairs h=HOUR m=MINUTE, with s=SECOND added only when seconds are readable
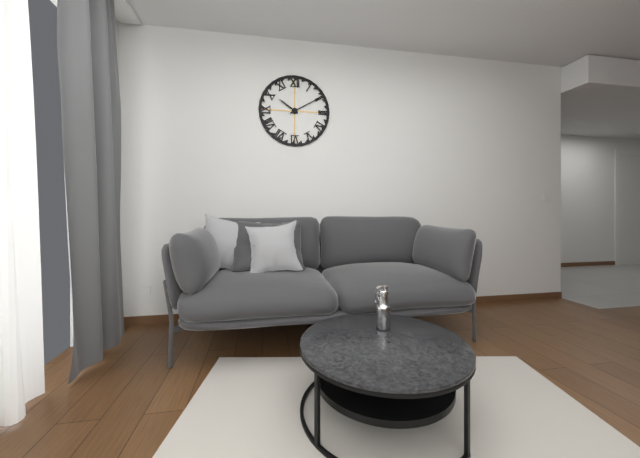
h=10 m=10
